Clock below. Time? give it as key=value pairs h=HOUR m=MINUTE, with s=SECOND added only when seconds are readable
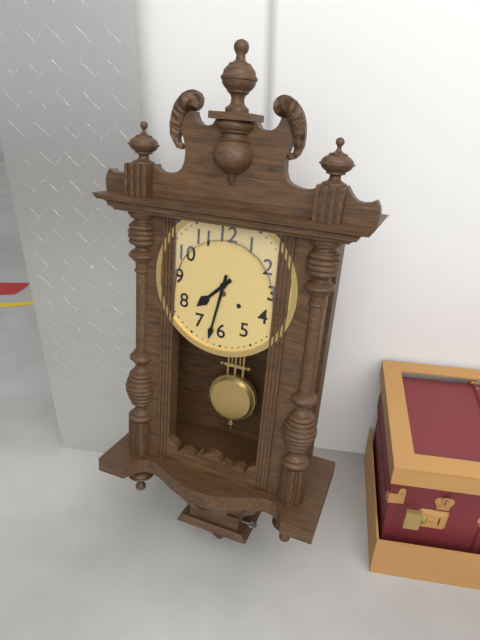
h=7 m=32
